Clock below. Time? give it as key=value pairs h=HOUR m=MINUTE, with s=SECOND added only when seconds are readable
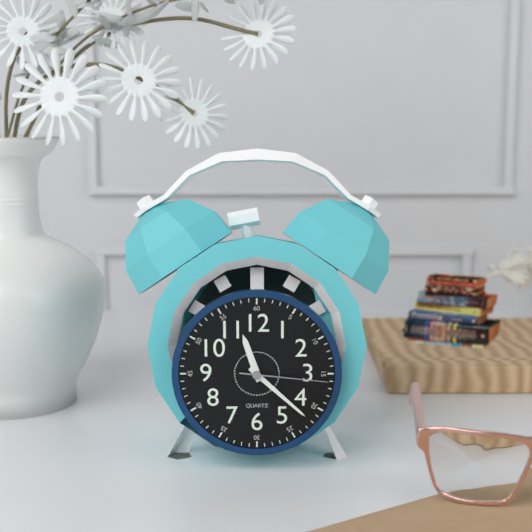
h=11 m=22 s=16
